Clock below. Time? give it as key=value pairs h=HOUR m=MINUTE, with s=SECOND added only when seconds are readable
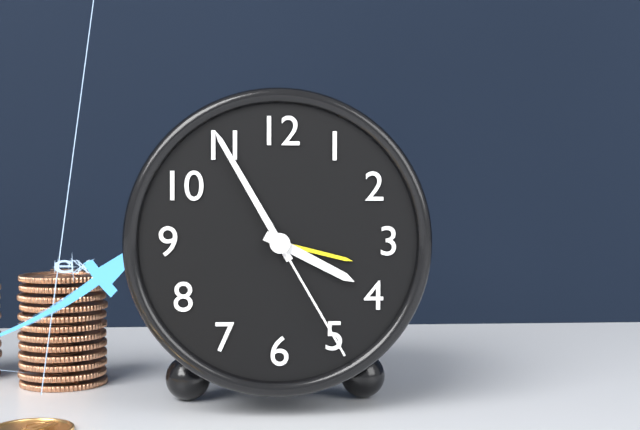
h=3 m=55 s=25
